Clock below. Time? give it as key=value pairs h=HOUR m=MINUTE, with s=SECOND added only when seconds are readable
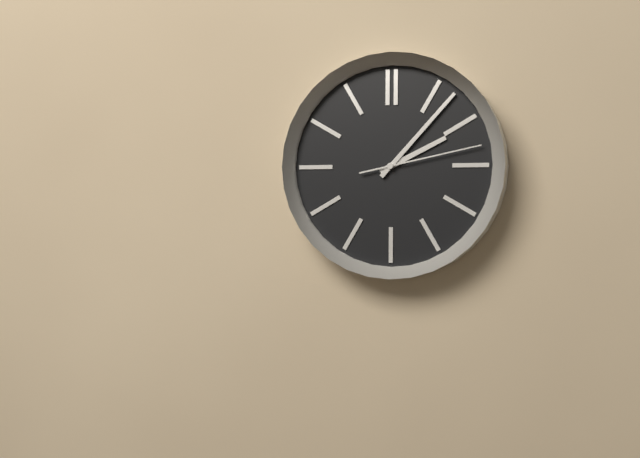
h=2 m=7 s=13
